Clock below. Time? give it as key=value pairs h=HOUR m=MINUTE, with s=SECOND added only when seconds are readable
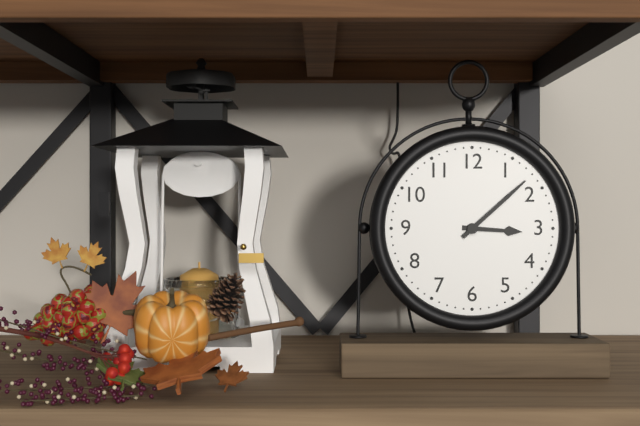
h=3 m=8
